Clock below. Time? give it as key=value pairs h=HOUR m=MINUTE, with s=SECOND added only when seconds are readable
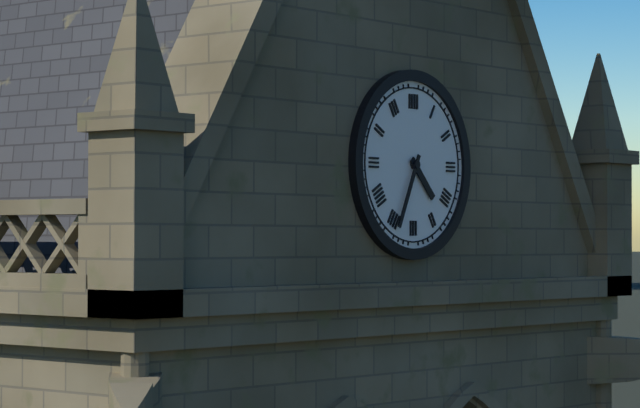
h=4 m=34
